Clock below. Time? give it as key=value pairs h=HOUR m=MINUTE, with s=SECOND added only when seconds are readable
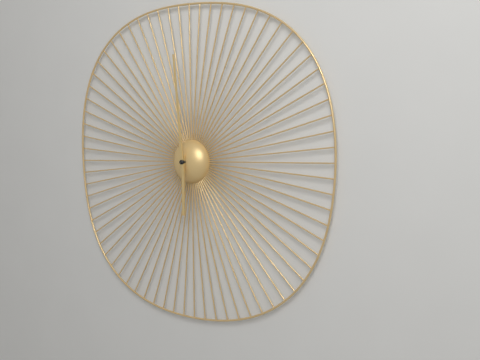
h=5 m=59
